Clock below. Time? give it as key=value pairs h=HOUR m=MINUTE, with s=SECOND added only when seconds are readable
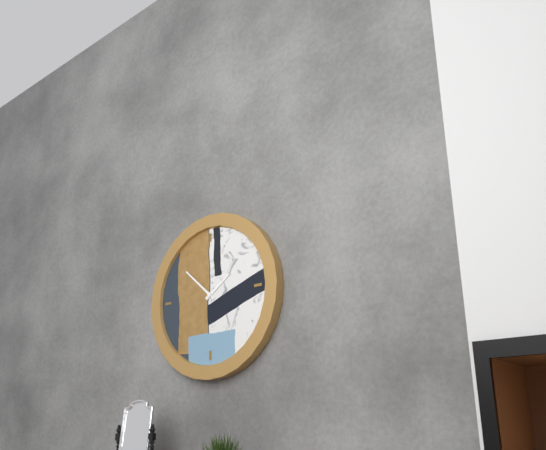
h=1 m=52
